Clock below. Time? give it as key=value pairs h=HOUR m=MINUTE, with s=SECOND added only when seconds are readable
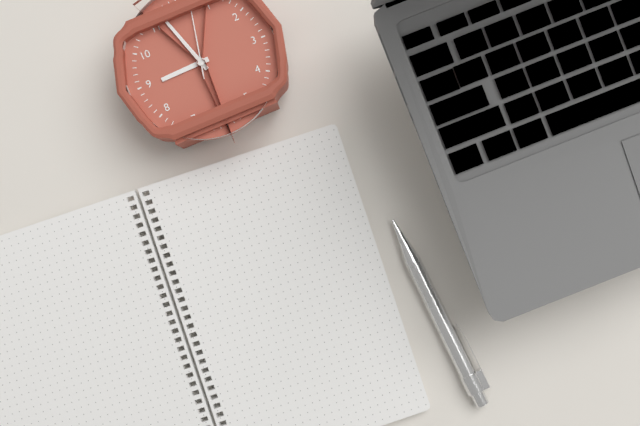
h=8 m=57
